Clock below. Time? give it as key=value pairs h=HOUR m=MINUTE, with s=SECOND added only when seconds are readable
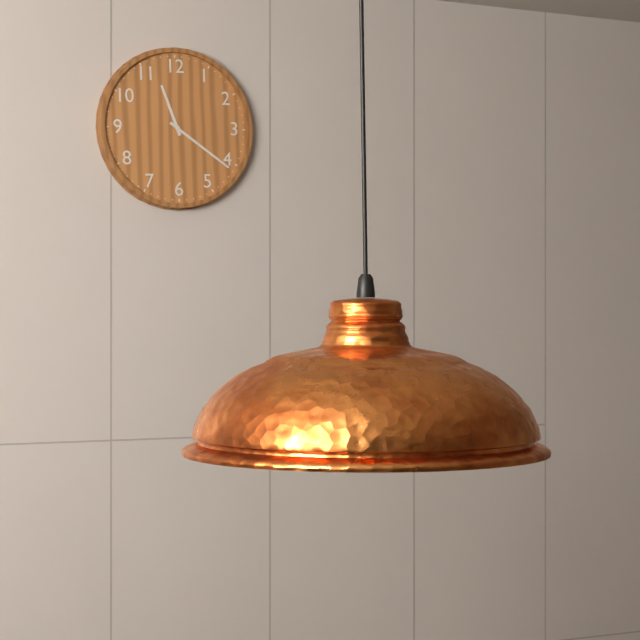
h=11 m=21
